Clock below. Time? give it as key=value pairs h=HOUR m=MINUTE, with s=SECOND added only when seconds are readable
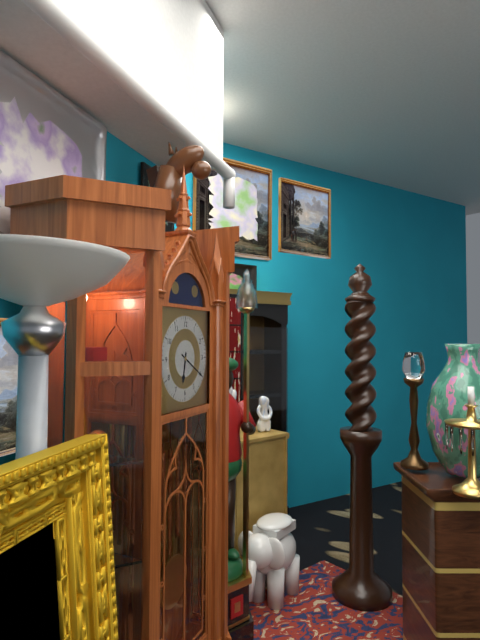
h=6 m=20
